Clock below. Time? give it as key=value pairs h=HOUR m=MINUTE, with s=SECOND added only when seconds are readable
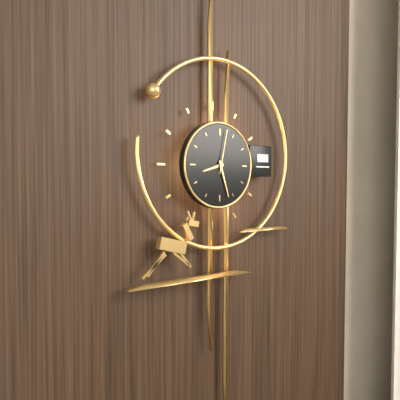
h=8 m=27
